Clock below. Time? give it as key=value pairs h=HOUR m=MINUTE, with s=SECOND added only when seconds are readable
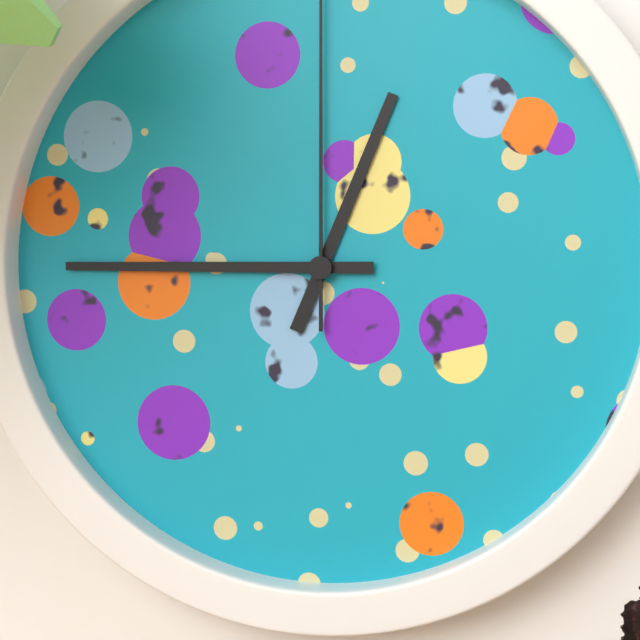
h=12 m=45
